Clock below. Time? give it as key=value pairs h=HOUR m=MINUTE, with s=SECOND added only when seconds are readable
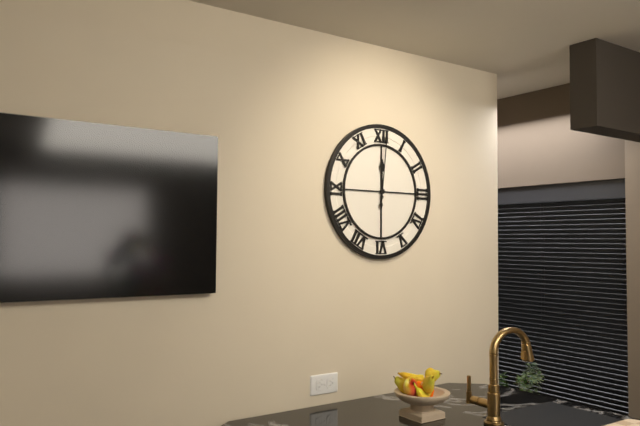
h=12 m=1
